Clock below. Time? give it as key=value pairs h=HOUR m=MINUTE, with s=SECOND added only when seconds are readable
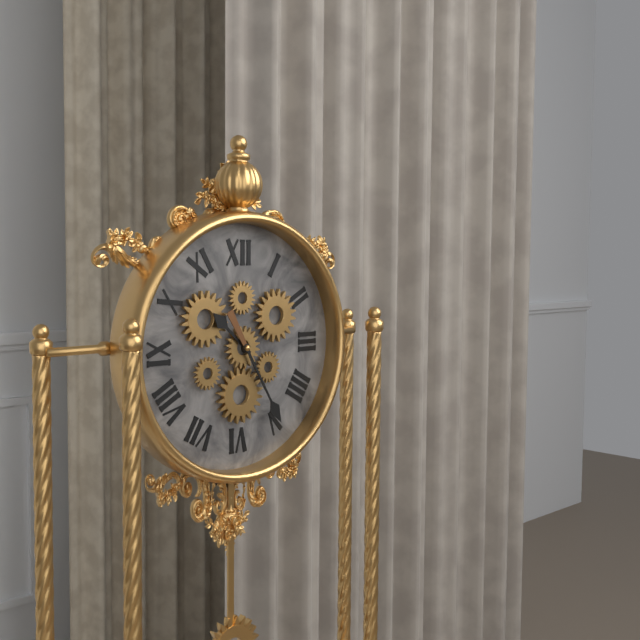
h=10 m=25
